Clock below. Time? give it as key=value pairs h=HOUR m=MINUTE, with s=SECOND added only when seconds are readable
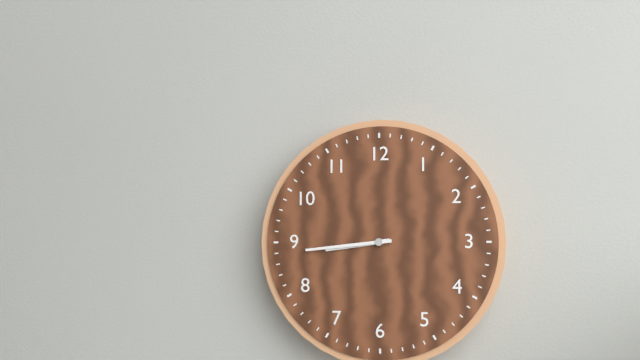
h=8 m=44
